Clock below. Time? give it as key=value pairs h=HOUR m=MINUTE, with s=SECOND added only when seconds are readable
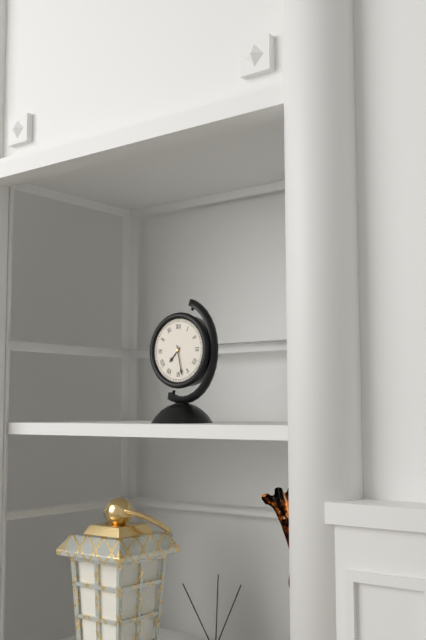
h=7 m=28
